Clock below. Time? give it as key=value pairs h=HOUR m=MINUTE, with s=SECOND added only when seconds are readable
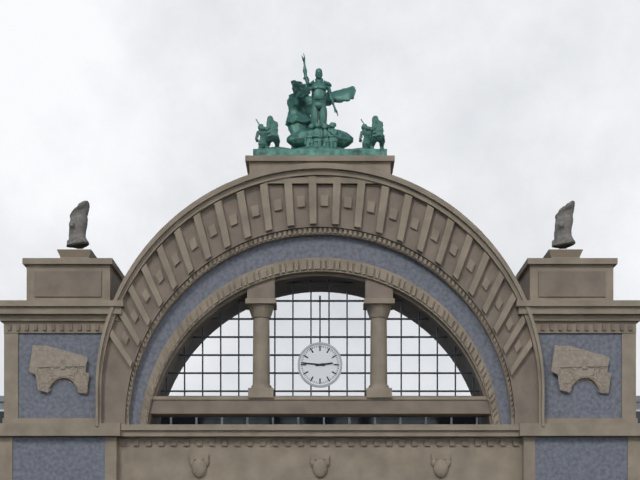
h=2 m=46
